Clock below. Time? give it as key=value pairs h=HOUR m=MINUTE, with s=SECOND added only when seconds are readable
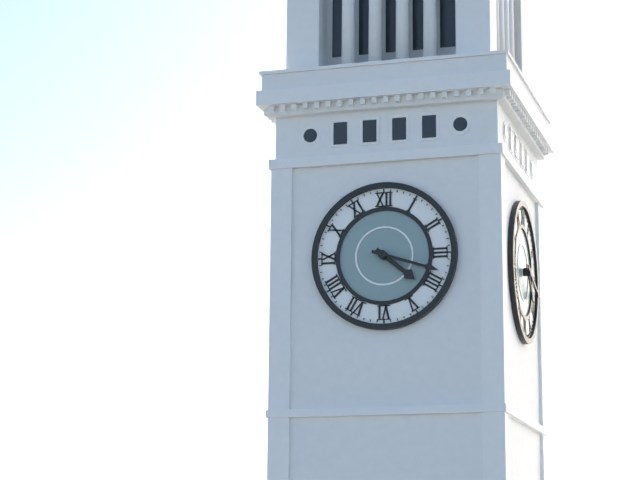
h=4 m=18
